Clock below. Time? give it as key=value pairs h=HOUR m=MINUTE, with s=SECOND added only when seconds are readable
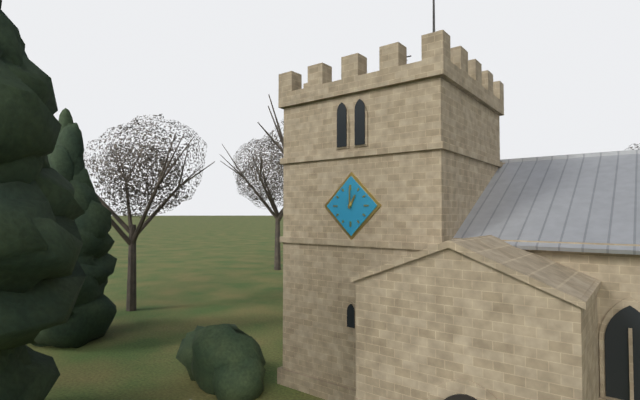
h=1 m=0
